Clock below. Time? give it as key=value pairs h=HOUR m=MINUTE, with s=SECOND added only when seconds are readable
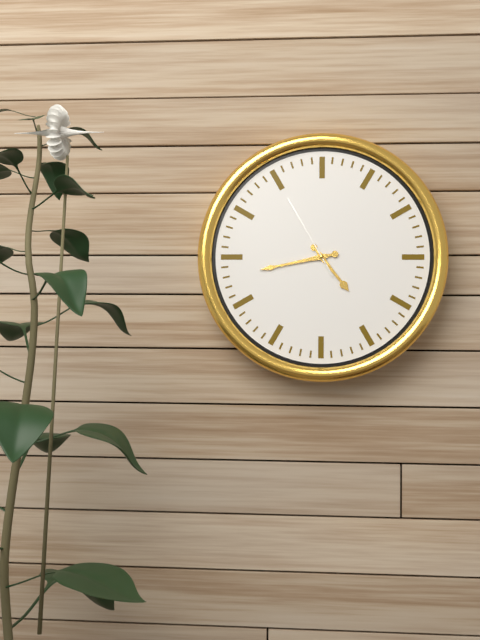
h=4 m=43 s=55
